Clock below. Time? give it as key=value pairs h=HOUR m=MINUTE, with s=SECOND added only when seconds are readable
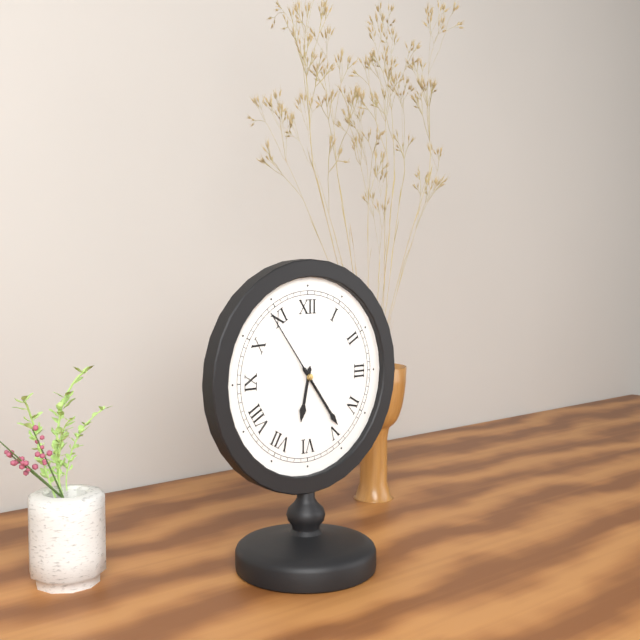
h=6 m=24 s=54
